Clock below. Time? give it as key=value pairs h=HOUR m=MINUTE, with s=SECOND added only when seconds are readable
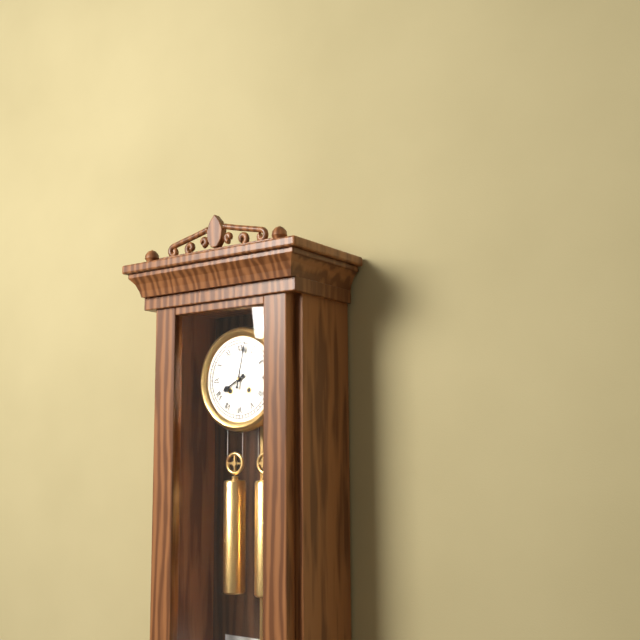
h=8 m=2
